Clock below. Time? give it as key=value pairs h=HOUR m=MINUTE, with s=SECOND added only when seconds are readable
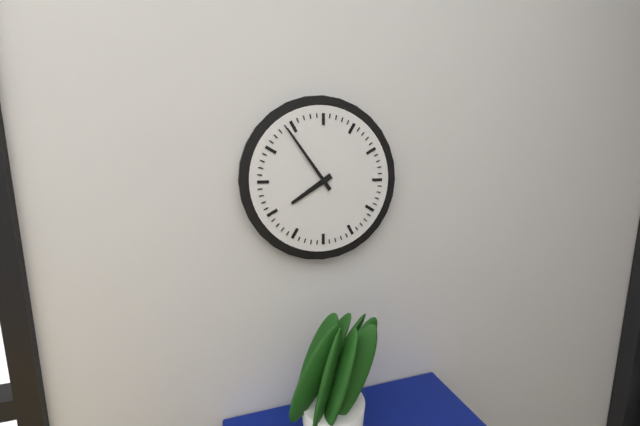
h=7 m=54
